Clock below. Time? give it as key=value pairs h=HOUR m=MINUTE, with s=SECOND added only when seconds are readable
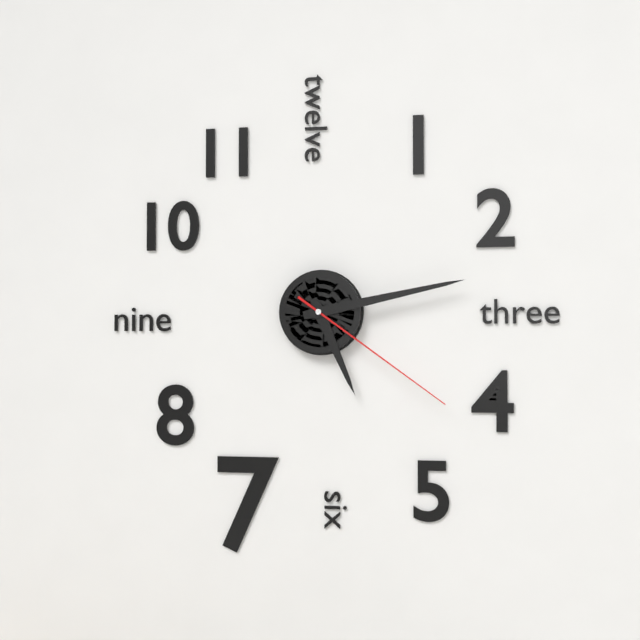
h=5 m=13 s=21
